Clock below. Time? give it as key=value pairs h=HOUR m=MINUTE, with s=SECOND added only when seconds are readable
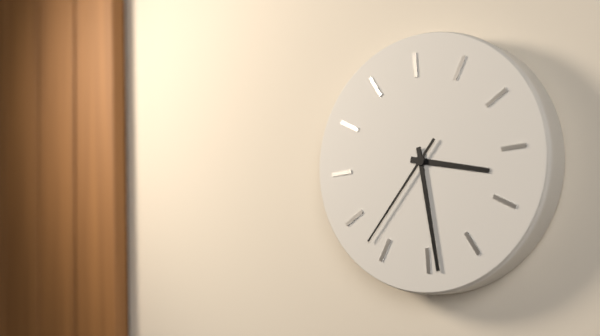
h=3 m=29 s=37
